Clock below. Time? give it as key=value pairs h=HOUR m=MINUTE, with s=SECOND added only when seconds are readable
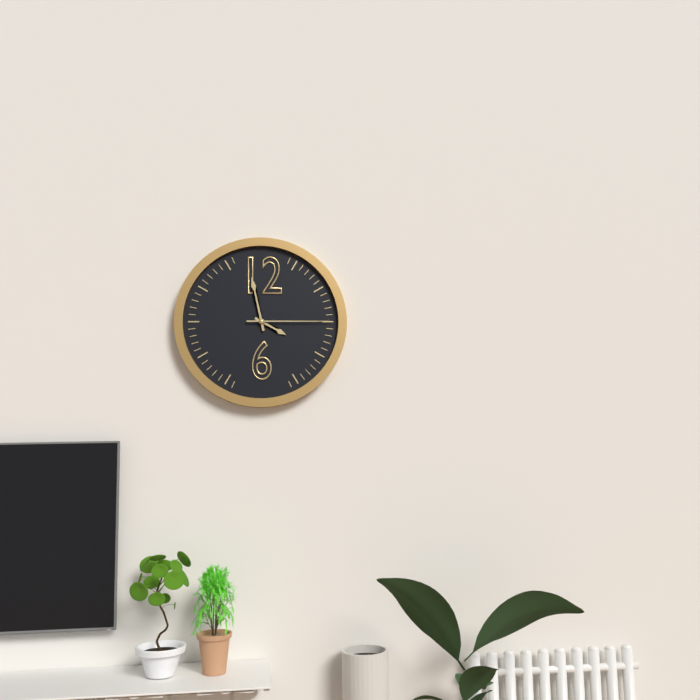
h=3 m=58 s=15
